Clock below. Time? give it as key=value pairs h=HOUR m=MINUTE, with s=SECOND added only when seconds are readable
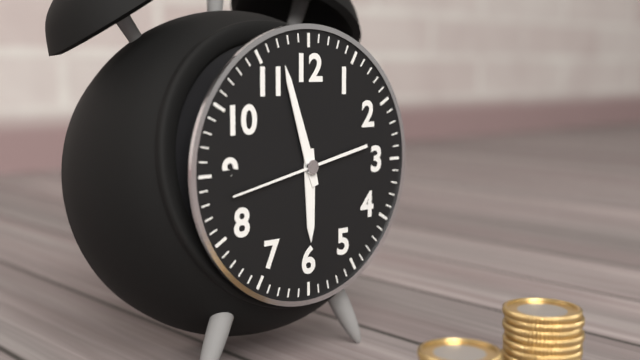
h=5 m=57 s=43
